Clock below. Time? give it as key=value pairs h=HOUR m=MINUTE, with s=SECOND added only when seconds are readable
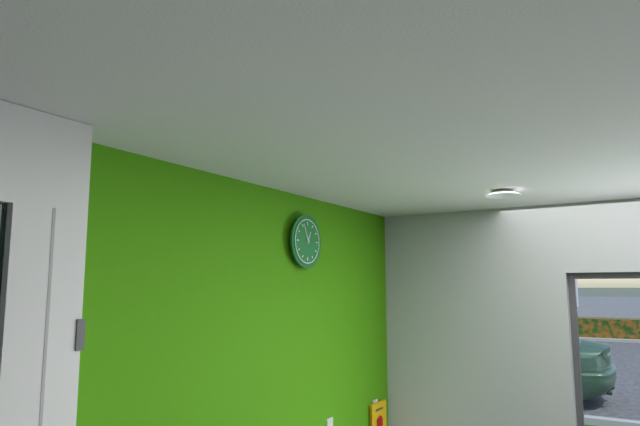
h=12 m=56
